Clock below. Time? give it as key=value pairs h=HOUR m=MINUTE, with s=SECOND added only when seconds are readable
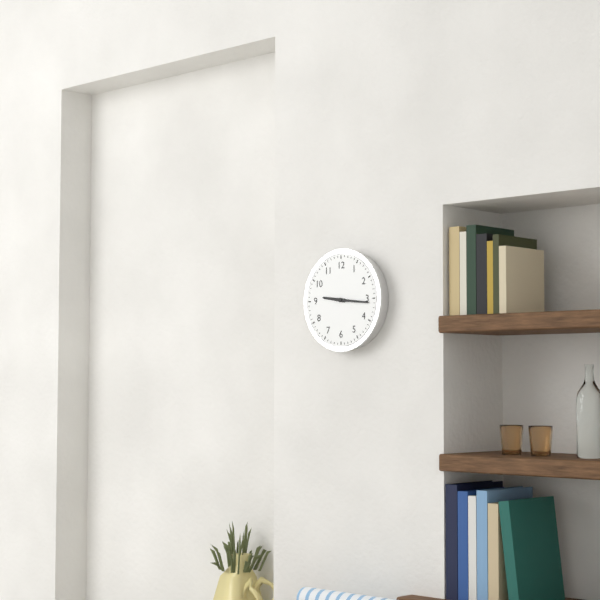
h=9 m=16
